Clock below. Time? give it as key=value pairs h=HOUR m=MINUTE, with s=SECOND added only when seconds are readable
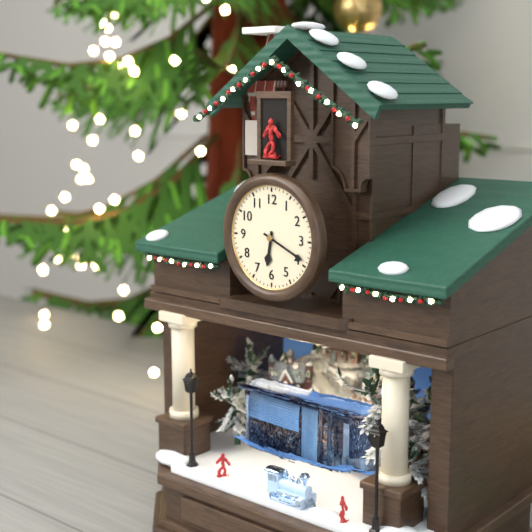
h=6 m=19
